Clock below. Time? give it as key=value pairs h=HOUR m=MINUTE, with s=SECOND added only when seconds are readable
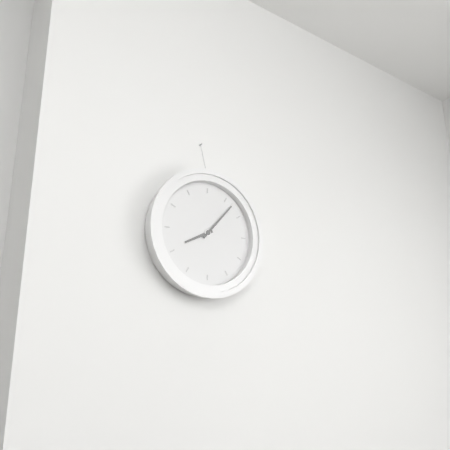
h=8 m=7
